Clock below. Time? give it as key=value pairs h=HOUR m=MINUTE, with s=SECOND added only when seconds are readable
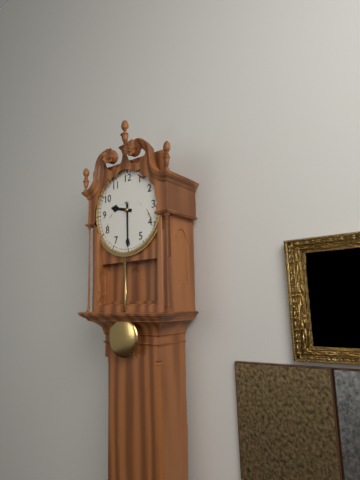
h=9 m=30
